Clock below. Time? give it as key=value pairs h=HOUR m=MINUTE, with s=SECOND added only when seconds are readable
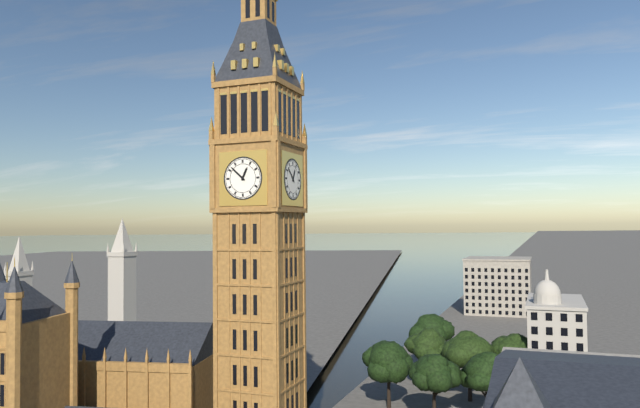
h=12 m=52
